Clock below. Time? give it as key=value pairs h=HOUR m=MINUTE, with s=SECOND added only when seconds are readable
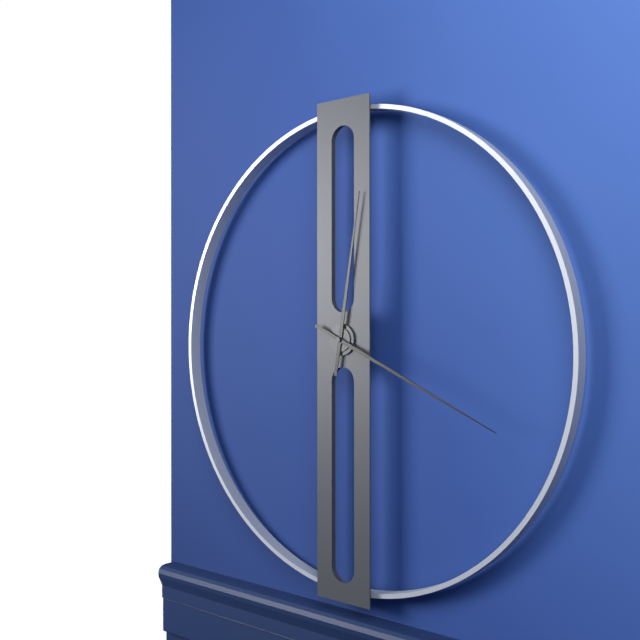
h=12 m=19
